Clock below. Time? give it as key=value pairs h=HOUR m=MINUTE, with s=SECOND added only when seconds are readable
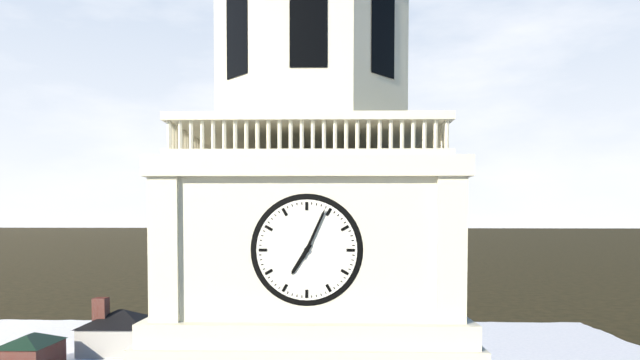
h=7 m=4
